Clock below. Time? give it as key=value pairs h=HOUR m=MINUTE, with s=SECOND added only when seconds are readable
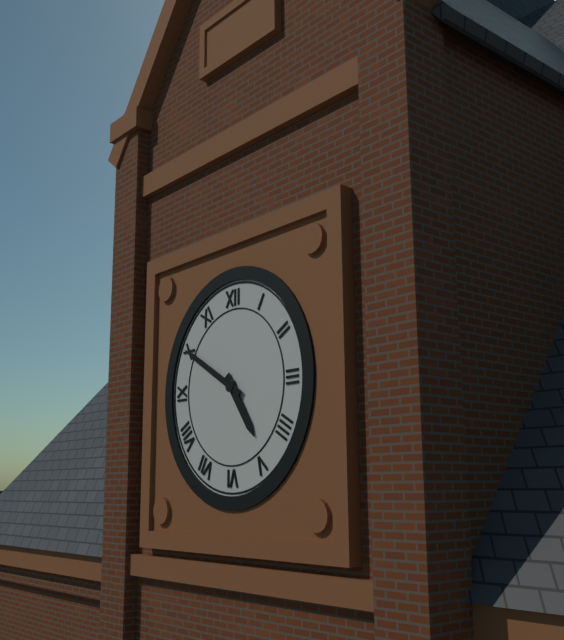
h=4 m=50
